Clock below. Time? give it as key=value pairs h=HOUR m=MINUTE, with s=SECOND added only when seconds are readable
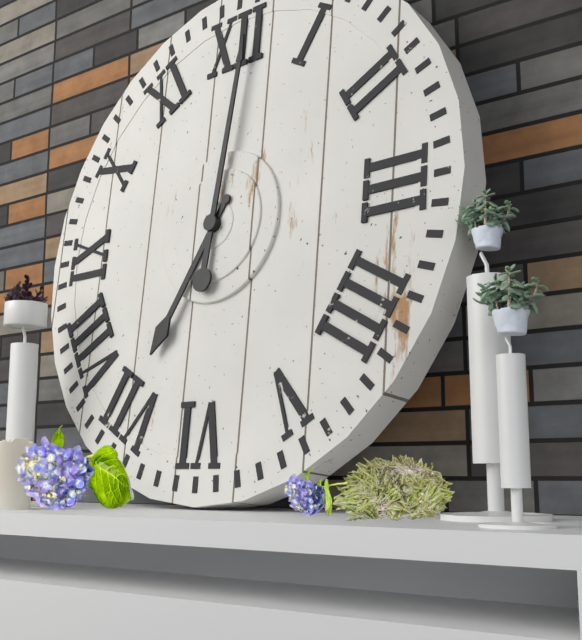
h=7 m=1
